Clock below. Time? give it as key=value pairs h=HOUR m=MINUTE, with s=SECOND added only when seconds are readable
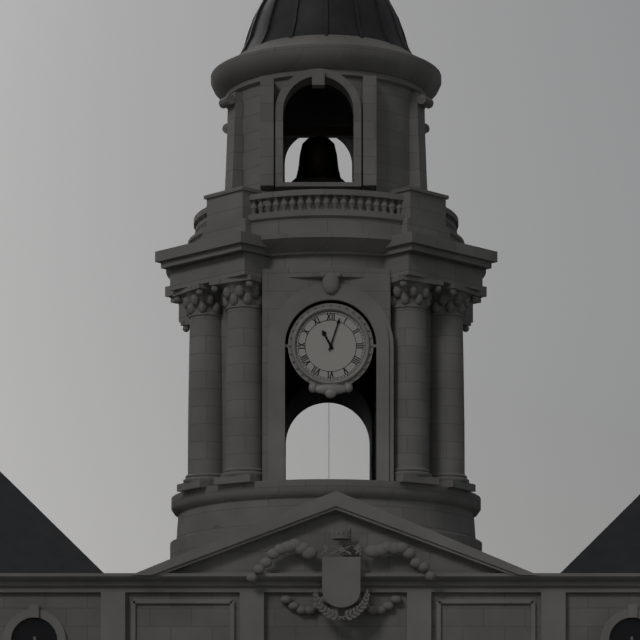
h=11 m=3
